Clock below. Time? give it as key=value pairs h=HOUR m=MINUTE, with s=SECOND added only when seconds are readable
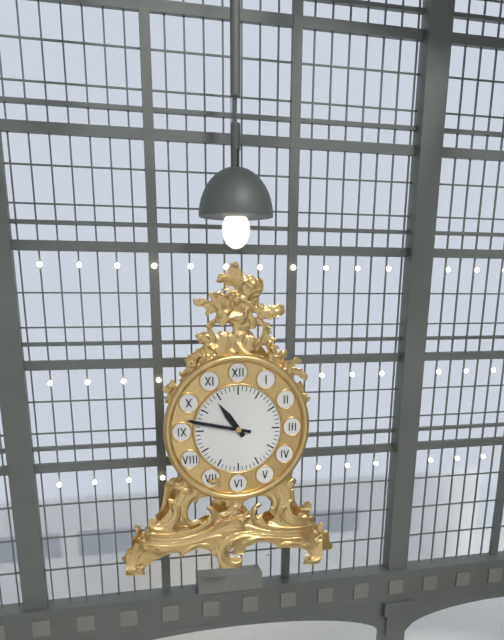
h=10 m=47
